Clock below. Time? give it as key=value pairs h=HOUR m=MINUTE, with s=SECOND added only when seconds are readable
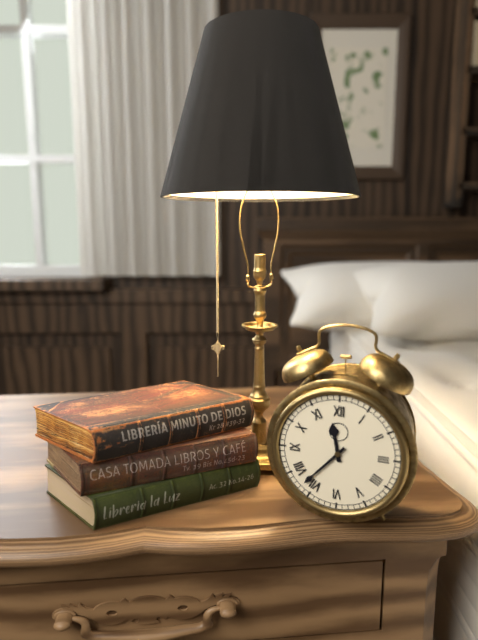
h=11 m=37
